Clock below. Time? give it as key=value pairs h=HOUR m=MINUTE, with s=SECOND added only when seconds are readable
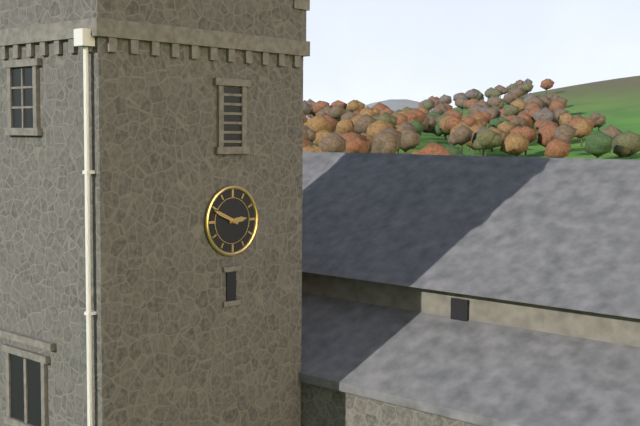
h=2 m=49
